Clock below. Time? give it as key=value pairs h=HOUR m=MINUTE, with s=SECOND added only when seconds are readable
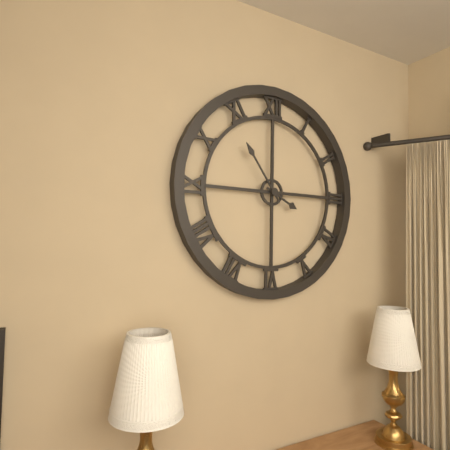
h=3 m=54
